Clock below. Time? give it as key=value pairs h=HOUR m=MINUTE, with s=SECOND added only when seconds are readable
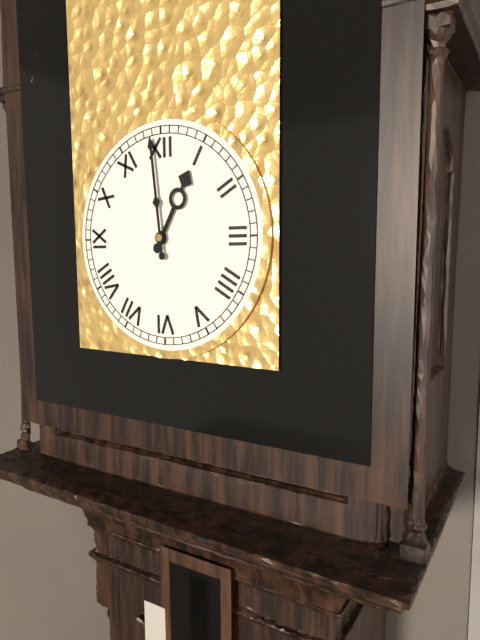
h=12 m=59
